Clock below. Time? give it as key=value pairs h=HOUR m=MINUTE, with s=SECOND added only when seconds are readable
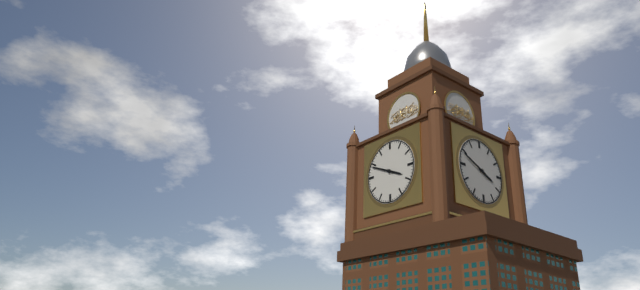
h=3 m=49
